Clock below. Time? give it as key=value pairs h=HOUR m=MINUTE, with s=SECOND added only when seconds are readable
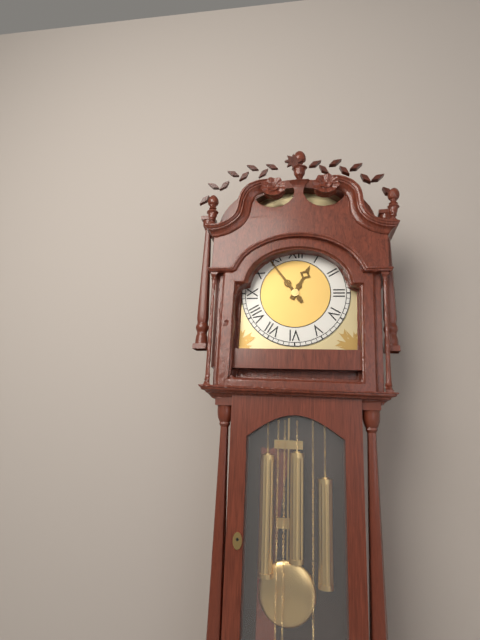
h=12 m=54
